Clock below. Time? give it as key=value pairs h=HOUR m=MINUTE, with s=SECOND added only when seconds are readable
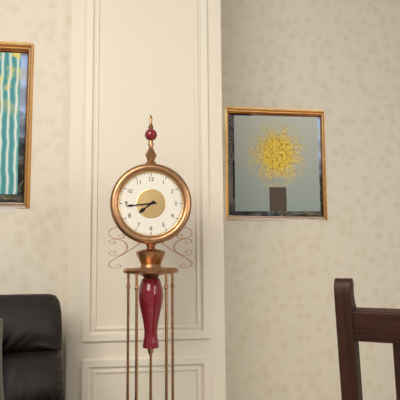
h=7 m=44
